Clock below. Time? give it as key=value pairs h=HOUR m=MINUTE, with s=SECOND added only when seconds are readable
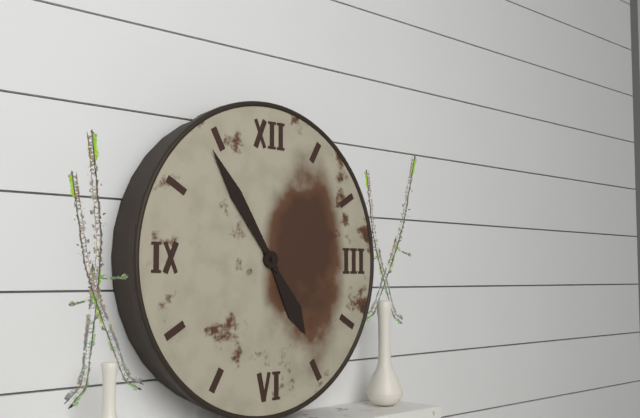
h=4 m=54
